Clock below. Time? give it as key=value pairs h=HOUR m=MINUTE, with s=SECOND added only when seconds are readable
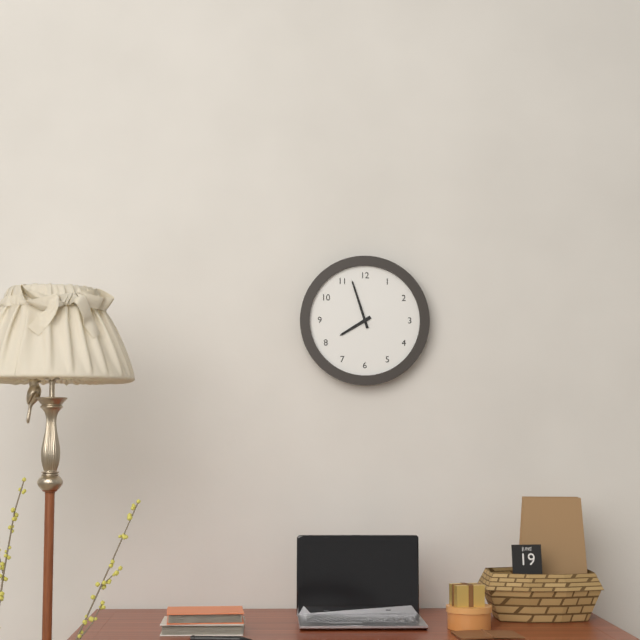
h=7 m=57
